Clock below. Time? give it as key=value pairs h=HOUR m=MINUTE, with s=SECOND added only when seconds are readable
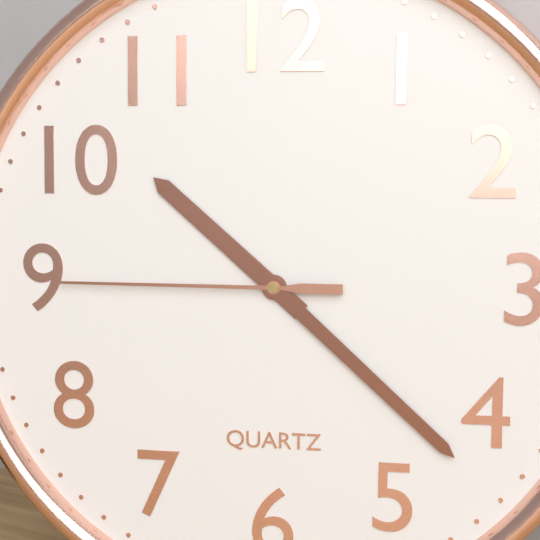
h=10 m=22 s=45
